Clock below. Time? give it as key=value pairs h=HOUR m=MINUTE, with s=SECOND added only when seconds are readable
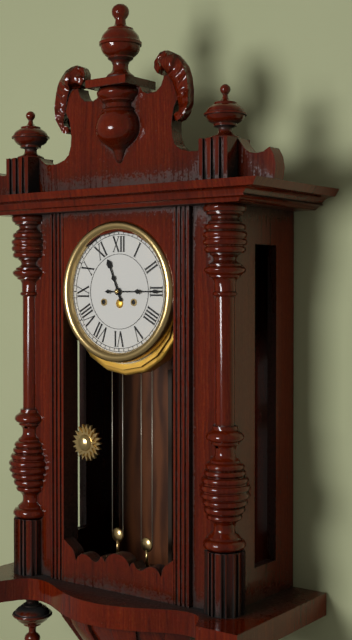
h=11 m=15
